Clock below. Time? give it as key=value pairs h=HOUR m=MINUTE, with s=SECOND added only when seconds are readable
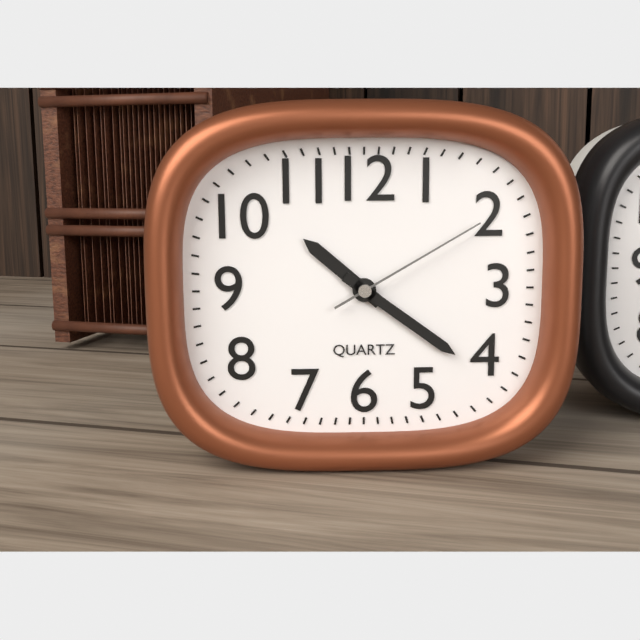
h=10 m=21 s=10
